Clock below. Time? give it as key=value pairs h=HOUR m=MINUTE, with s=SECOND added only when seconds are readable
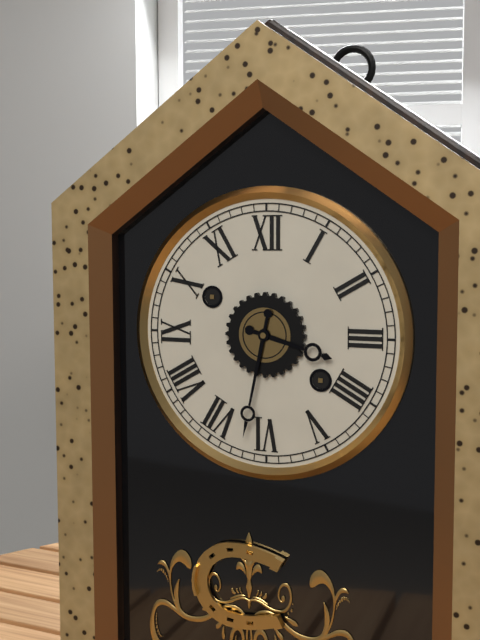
h=3 m=32
